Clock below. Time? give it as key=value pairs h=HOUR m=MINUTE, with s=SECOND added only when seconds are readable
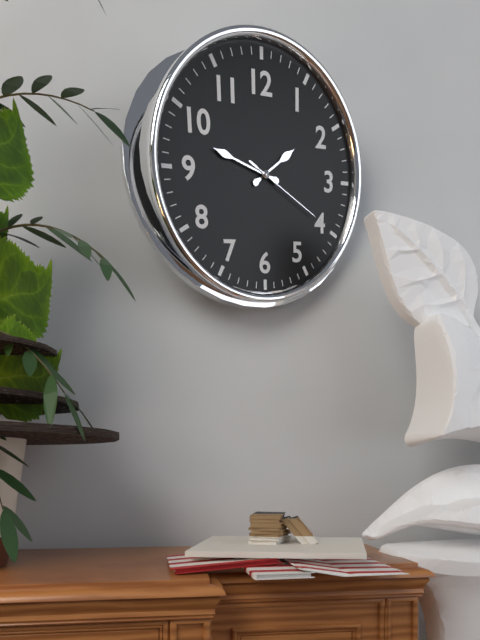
h=1 m=48 s=20
